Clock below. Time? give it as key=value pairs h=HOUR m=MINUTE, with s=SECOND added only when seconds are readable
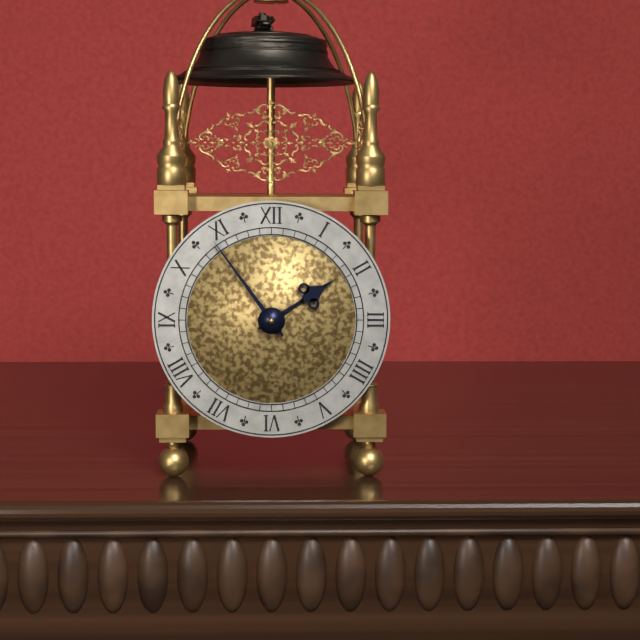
h=1 m=54
